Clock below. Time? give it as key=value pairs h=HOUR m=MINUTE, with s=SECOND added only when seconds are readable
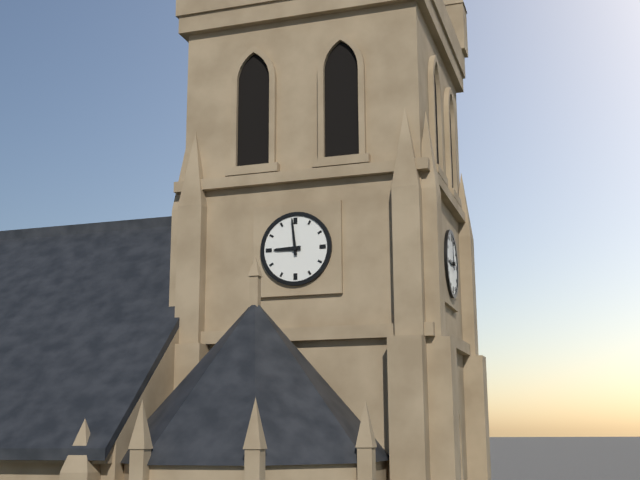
h=8 m=59
